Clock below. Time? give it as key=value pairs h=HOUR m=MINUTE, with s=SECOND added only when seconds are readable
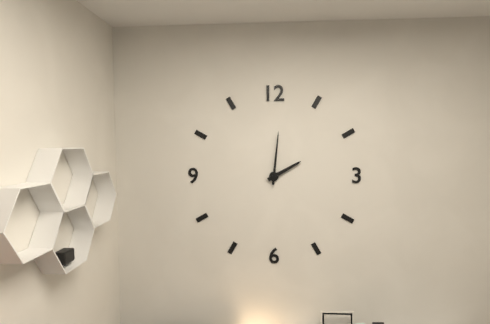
h=2 m=1
